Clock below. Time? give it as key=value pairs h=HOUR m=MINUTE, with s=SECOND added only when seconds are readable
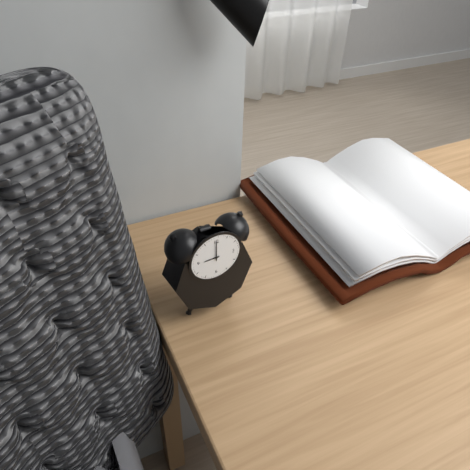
h=9 m=0
